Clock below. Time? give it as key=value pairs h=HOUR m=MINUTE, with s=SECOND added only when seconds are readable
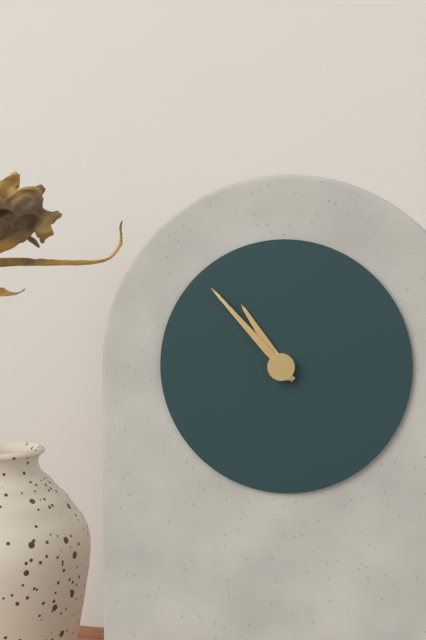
h=10 m=53
